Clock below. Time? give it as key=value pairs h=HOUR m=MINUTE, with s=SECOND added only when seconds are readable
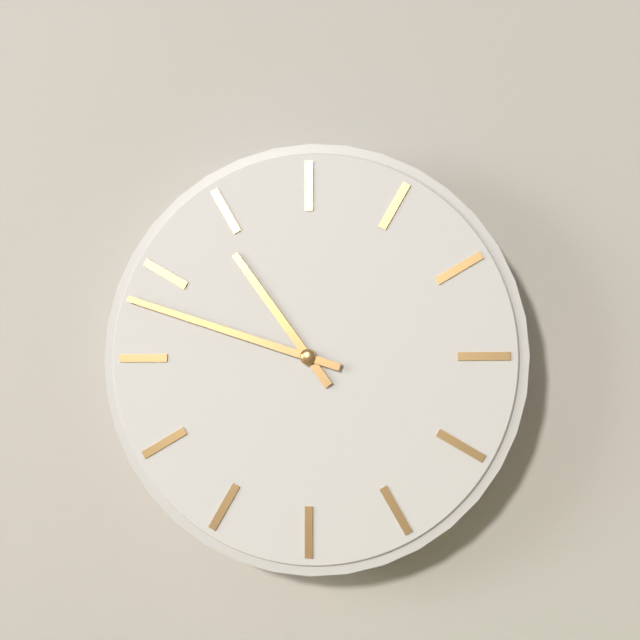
h=10 m=48
